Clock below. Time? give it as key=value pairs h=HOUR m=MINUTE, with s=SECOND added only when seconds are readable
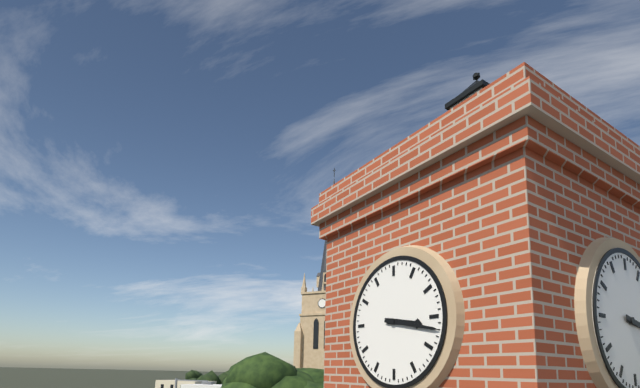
h=3 m=17
